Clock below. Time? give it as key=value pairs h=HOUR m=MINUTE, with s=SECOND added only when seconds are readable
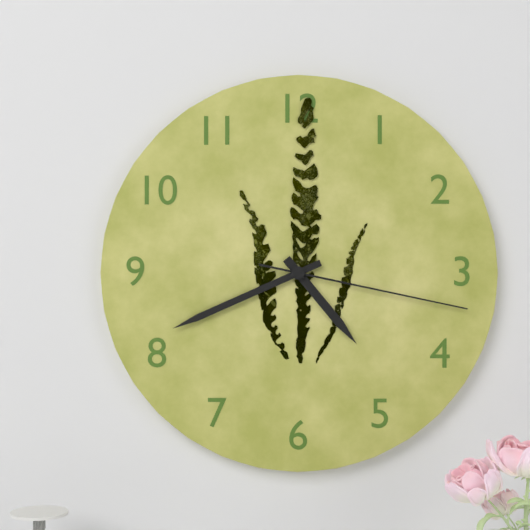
h=4 m=41 s=17
